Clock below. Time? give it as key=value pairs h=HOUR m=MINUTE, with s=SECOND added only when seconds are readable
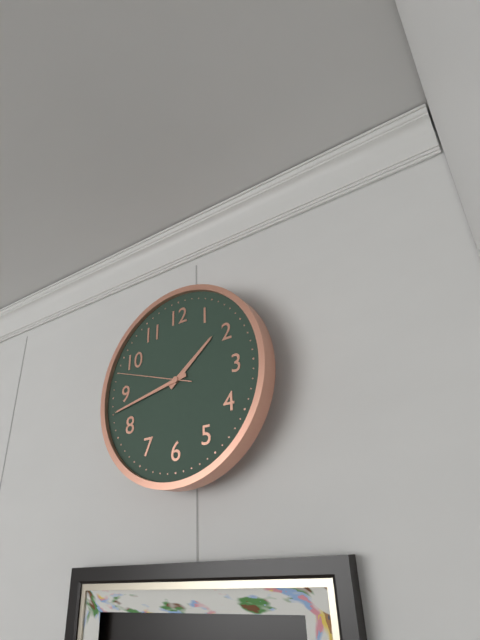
h=1 m=43 s=48
